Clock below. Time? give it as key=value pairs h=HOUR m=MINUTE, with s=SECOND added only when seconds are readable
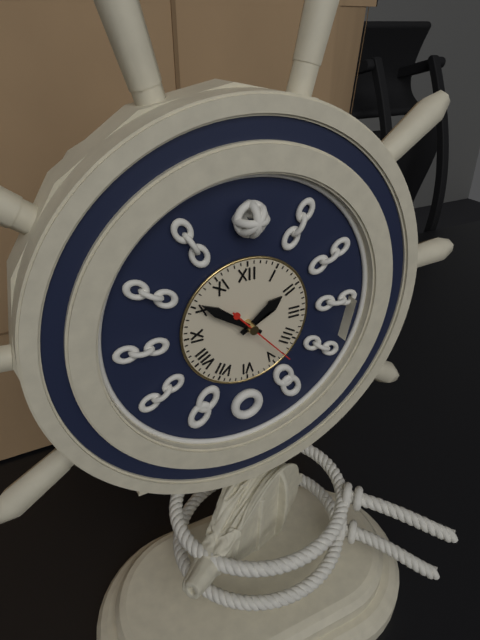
h=1 m=51 s=23
